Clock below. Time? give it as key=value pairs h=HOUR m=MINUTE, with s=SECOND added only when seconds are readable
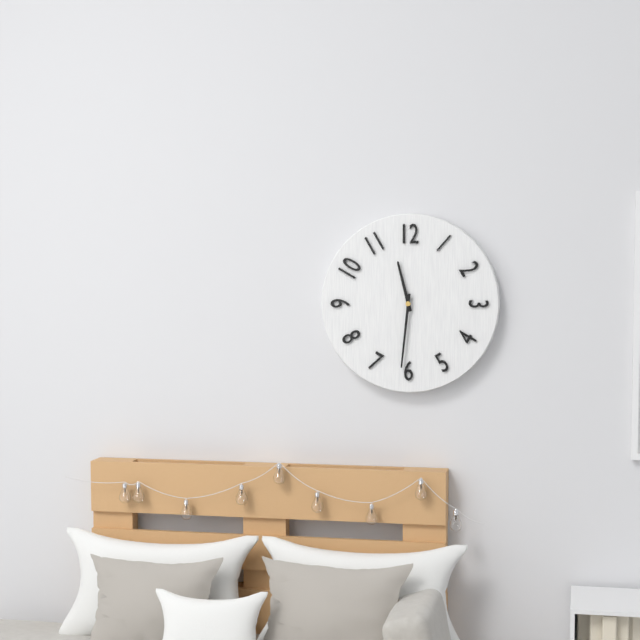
h=11 m=31
